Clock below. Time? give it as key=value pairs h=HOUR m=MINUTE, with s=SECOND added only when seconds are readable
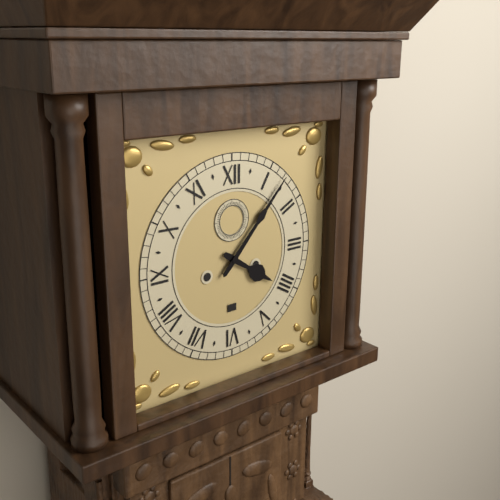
h=4 m=7
